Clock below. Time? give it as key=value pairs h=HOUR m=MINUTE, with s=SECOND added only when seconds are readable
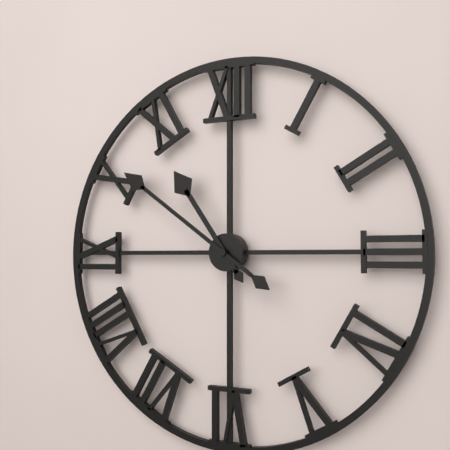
h=10 m=51
